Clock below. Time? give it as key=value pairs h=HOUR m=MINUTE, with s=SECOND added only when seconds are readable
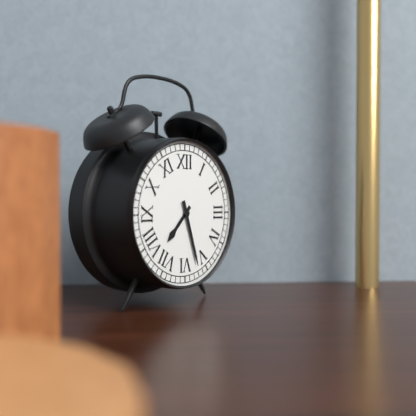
h=7 m=27
